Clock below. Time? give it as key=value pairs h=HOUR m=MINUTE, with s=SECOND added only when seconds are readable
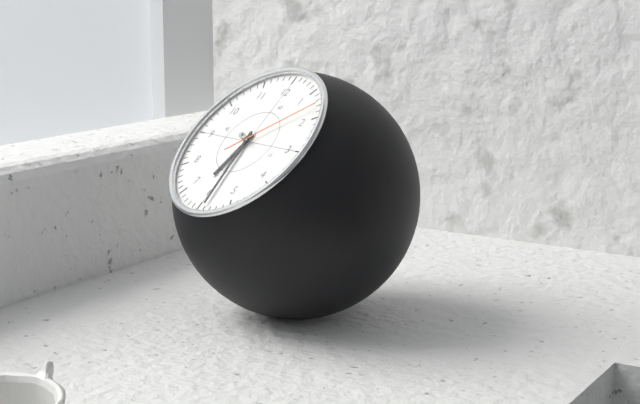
h=6 m=29 s=8
